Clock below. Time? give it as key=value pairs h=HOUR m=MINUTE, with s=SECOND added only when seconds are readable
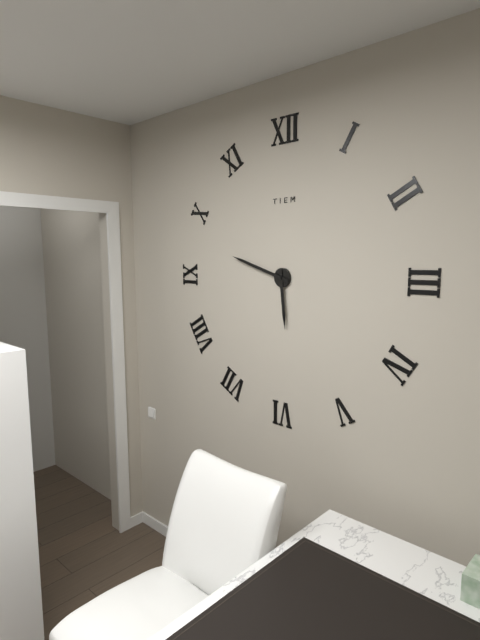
h=5 m=48
